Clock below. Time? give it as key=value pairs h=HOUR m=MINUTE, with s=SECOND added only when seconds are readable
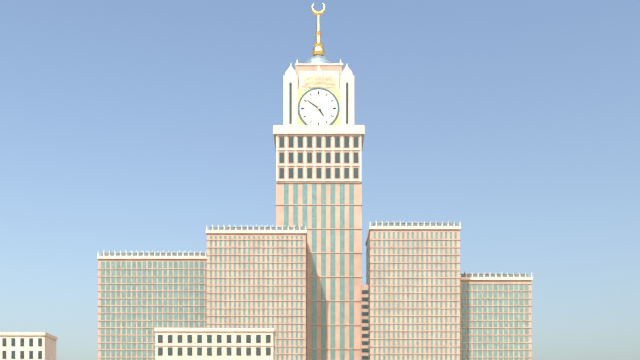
h=4 m=51
